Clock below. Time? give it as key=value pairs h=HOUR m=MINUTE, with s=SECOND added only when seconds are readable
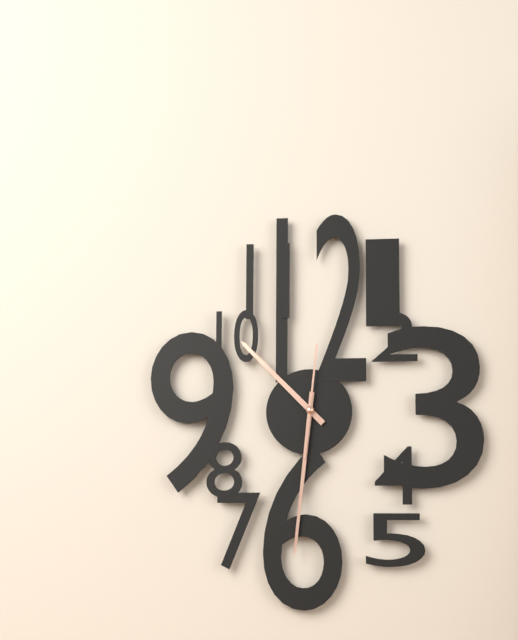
h=10 m=31 s=1
